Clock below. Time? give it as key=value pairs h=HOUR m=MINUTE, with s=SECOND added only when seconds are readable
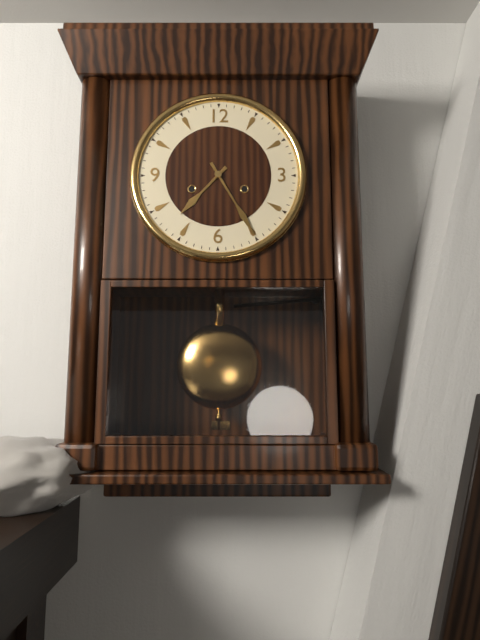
h=7 m=25
